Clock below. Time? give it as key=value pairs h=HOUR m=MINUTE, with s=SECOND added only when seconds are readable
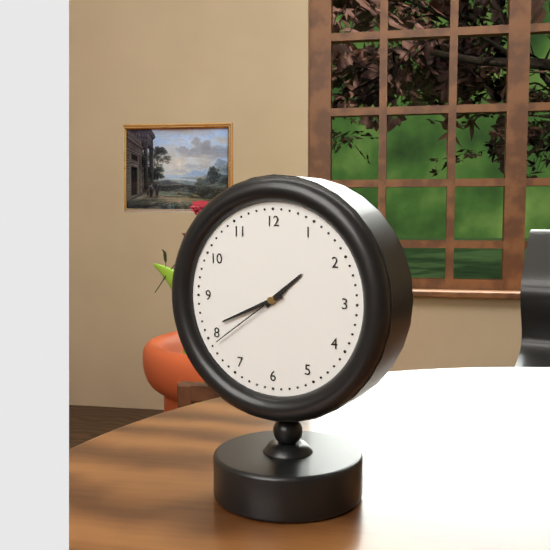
h=1 m=41 s=39
